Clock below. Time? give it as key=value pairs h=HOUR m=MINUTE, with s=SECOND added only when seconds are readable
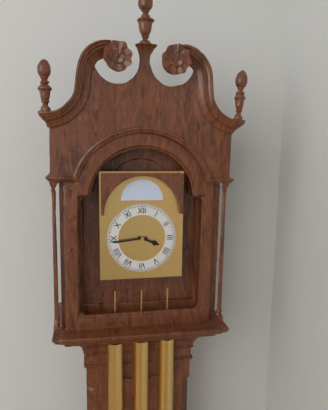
h=3 m=44
